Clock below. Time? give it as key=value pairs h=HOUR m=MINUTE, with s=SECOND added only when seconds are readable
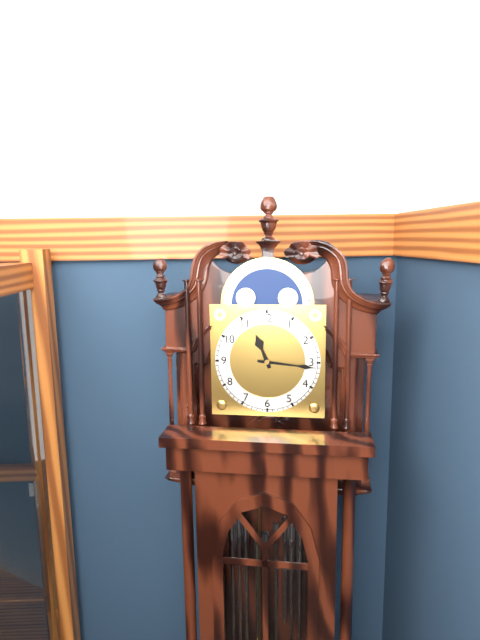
h=11 m=16
